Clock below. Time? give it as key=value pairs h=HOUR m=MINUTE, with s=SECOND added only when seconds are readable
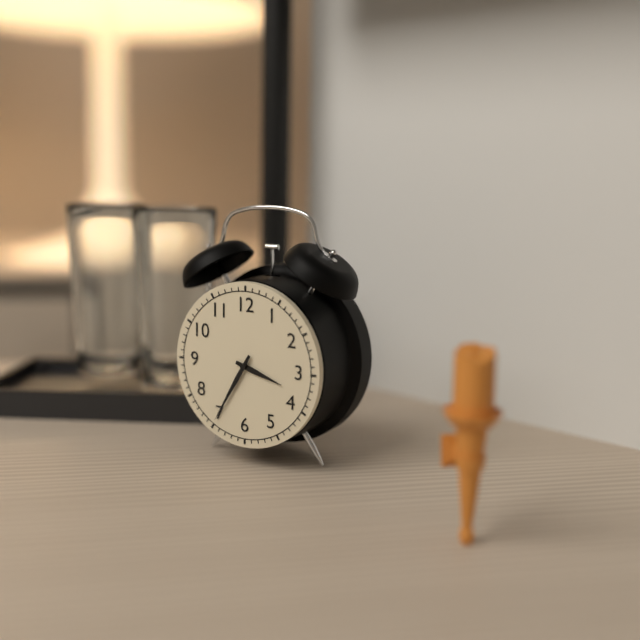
h=3 m=35
